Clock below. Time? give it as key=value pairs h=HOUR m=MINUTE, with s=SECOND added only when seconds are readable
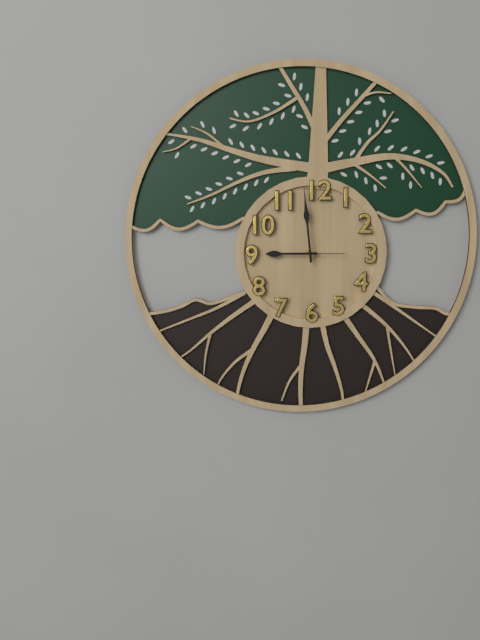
h=8 m=59
